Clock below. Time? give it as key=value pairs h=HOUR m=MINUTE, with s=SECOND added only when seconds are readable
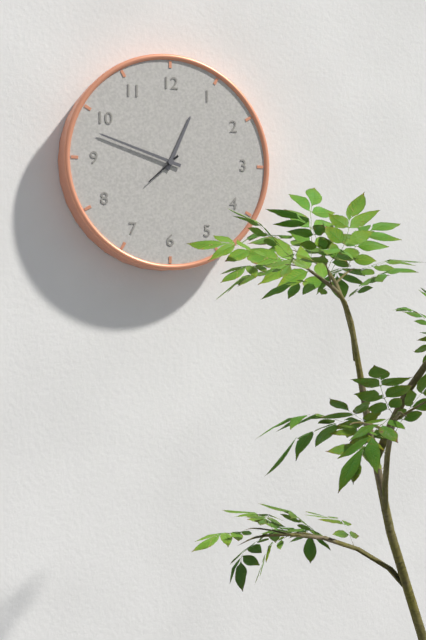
h=12 m=48
